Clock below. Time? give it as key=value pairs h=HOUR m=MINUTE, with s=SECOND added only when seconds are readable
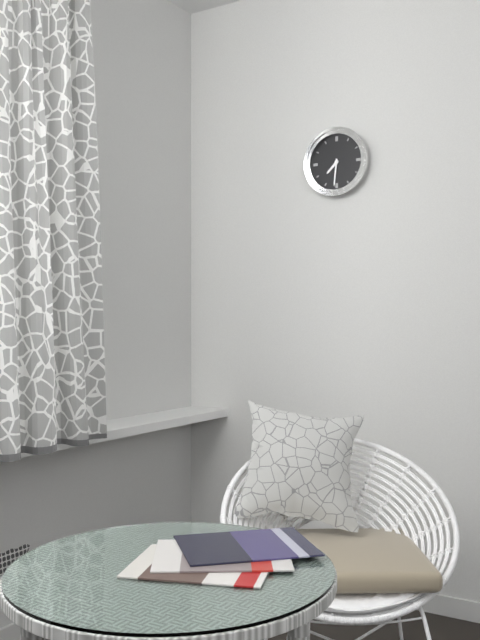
h=7 m=31
